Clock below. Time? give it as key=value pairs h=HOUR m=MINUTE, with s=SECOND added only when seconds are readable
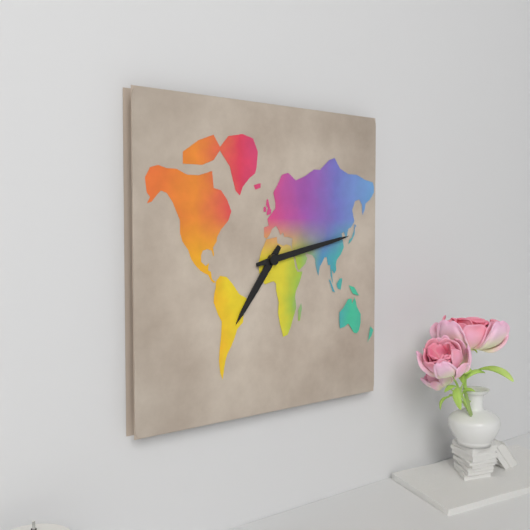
h=7 m=13
